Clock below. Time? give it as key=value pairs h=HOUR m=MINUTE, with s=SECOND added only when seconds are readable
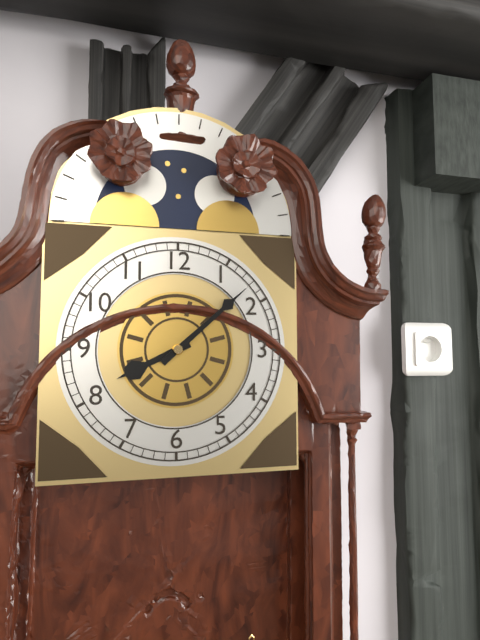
h=8 m=8
